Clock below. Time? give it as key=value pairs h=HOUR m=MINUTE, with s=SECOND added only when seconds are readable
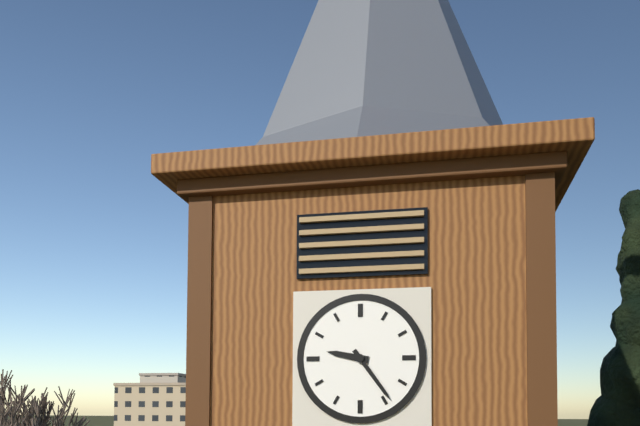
h=9 m=24
